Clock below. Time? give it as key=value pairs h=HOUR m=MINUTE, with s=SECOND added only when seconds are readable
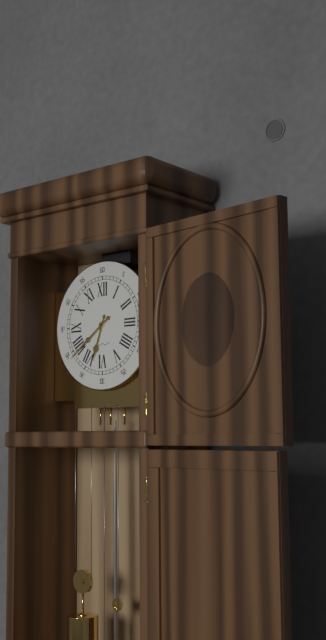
h=6 m=39
